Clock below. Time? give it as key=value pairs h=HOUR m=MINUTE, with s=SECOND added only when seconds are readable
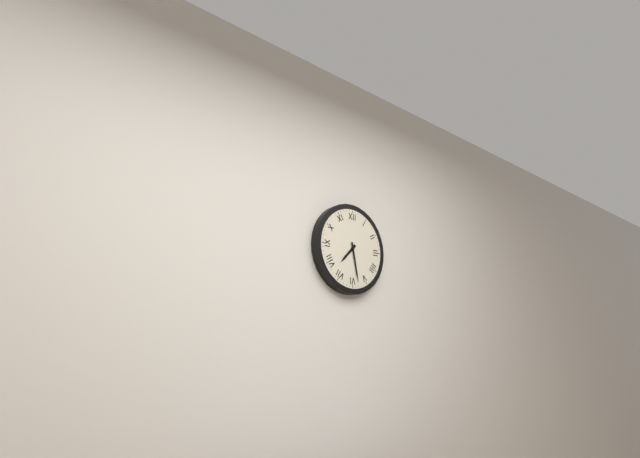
h=7 m=28
